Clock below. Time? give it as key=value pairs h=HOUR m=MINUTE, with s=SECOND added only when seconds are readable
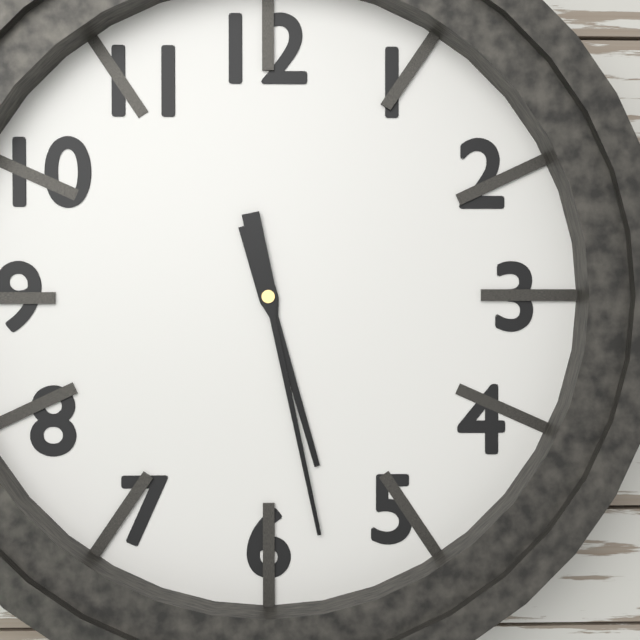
h=5 m=28
